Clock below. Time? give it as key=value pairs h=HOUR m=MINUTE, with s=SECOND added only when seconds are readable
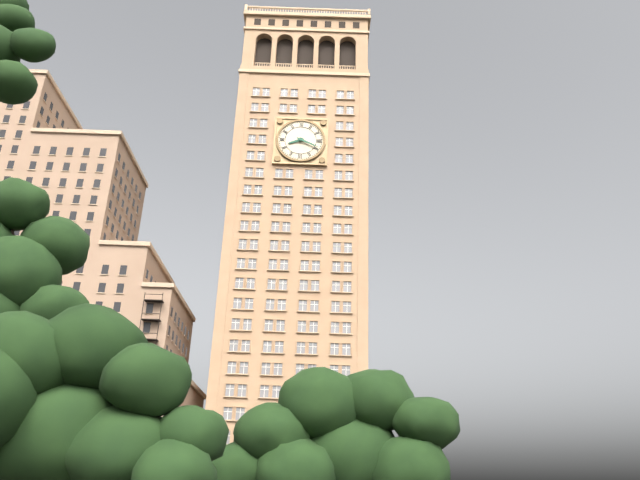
h=8 m=19
